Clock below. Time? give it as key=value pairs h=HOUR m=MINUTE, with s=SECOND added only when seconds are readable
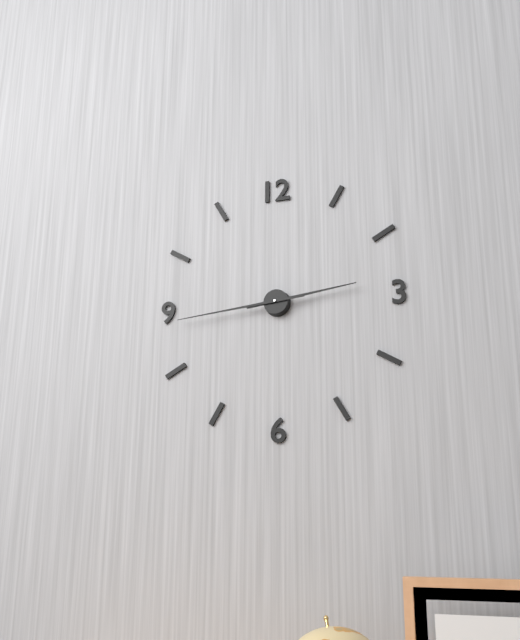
h=2 m=44
